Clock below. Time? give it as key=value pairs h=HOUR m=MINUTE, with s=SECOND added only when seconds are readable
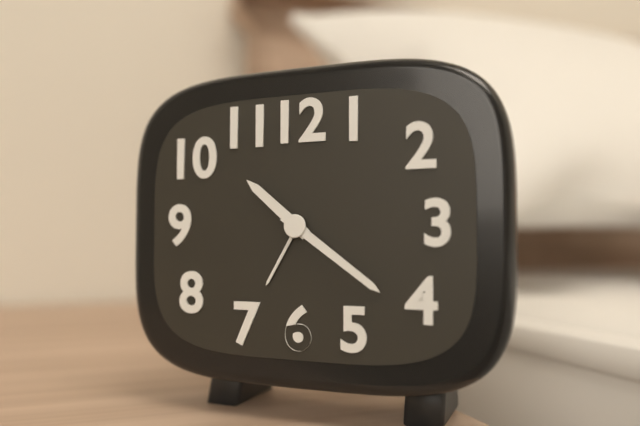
h=10 m=21
